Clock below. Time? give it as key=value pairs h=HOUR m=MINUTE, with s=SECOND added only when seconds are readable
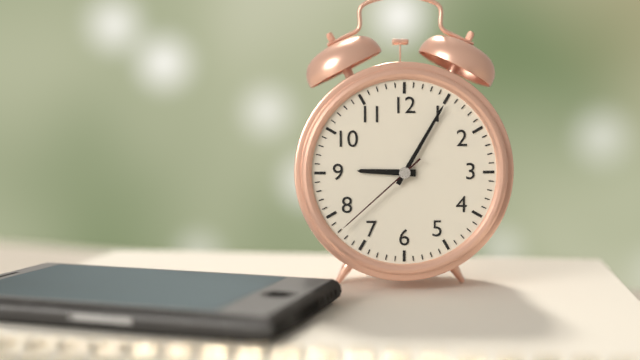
h=9 m=5 s=38
